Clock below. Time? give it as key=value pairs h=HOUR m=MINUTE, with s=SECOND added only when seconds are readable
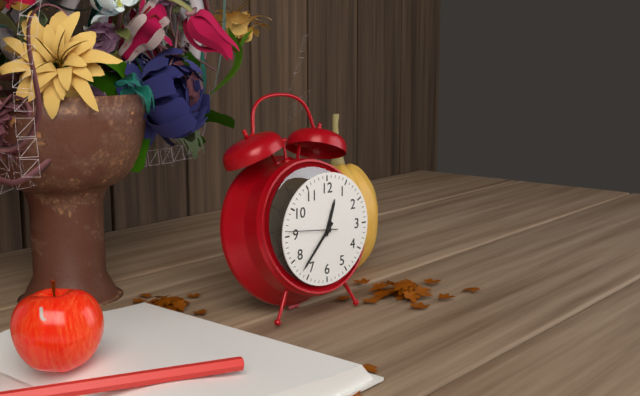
h=12 m=37 s=46
